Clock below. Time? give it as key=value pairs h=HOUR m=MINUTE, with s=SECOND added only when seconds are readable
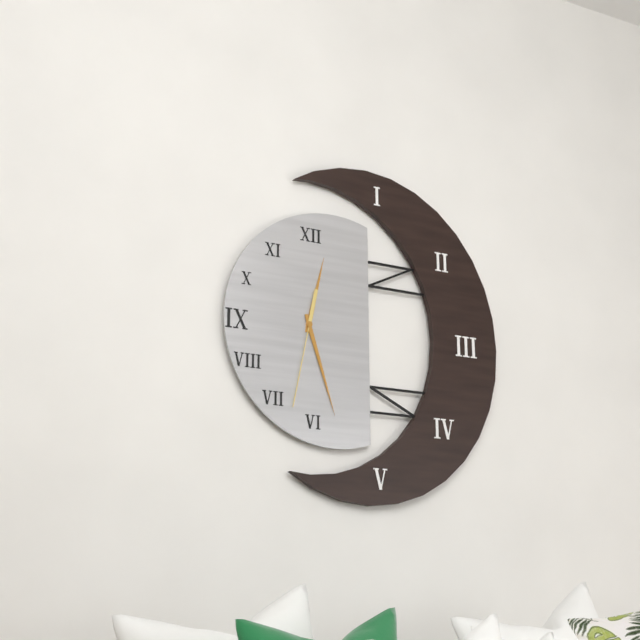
h=12 m=27 s=32
